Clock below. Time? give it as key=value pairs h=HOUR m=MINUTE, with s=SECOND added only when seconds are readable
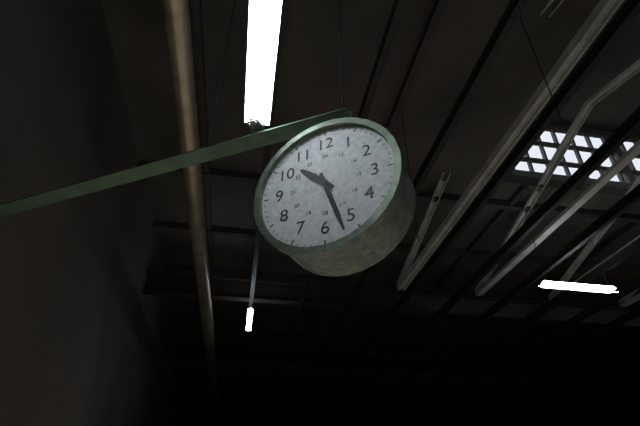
h=10 m=27
